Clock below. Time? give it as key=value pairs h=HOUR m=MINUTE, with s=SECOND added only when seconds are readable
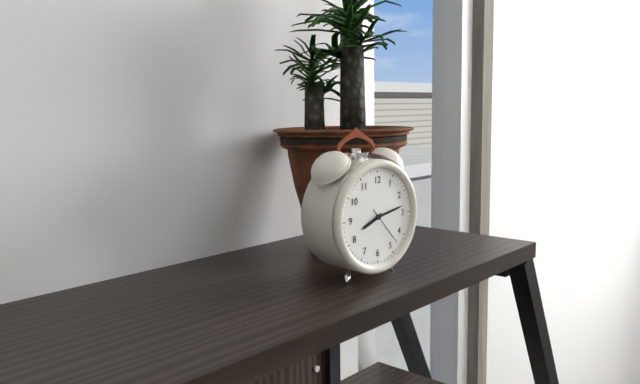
h=8 m=13
